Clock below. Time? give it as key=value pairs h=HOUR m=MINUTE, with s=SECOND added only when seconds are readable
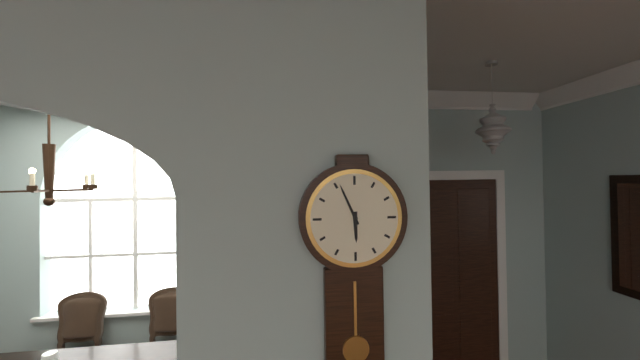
h=5 m=56
